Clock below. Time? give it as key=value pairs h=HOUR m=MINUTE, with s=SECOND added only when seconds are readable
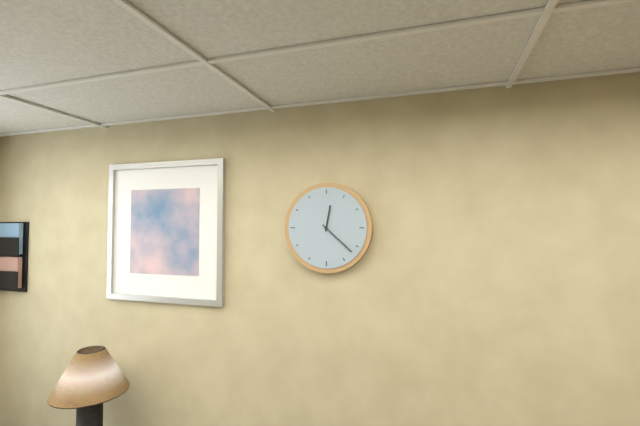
h=12 m=22
